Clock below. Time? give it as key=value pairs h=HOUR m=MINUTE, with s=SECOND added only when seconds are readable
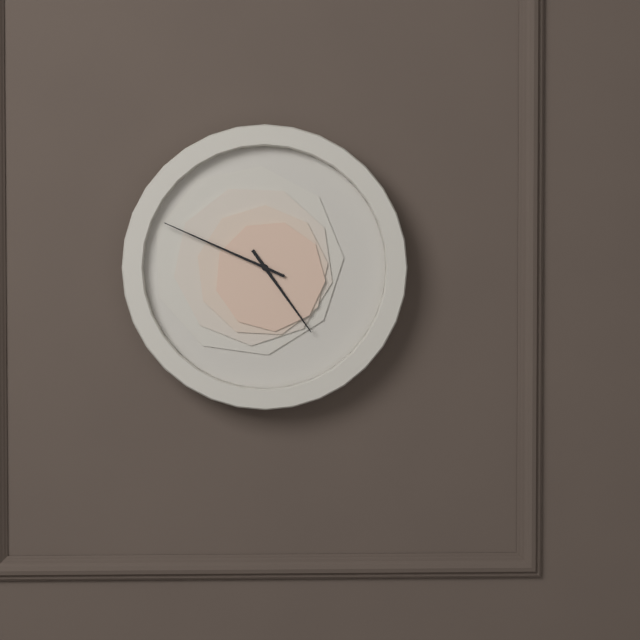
h=4 m=49
